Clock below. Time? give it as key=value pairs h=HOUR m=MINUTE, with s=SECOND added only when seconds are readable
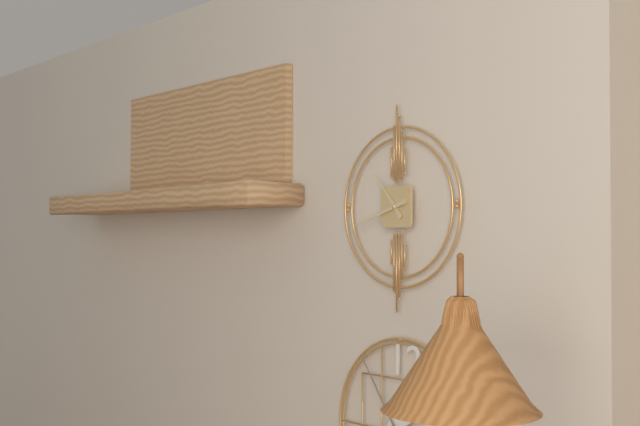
h=10 m=42
